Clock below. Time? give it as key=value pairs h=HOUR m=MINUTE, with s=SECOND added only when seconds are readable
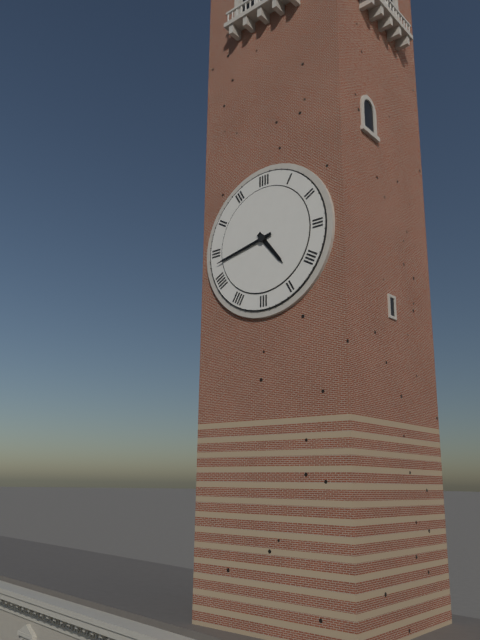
h=4 m=43
